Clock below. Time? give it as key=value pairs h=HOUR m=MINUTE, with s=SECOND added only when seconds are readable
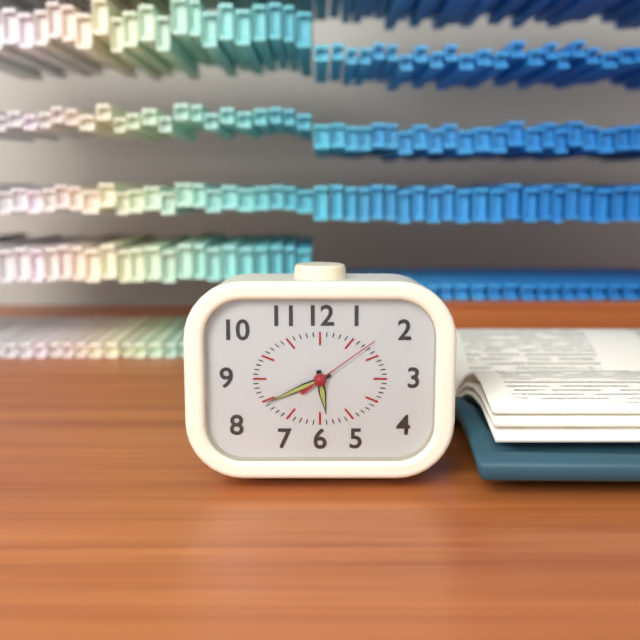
h=5 m=41 s=9
